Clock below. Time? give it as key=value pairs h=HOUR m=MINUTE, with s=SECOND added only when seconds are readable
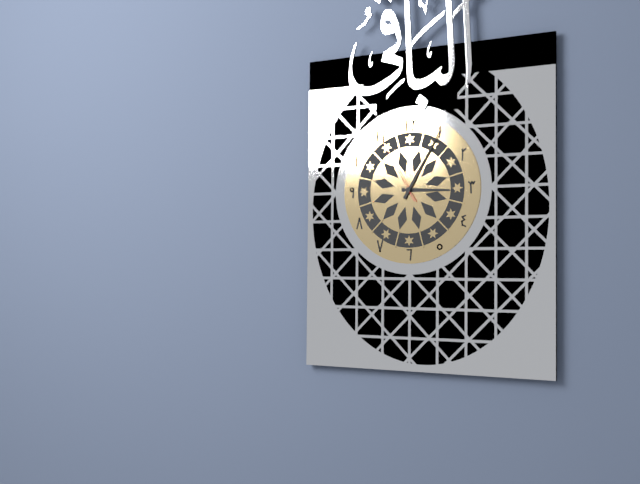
h=3 m=5 s=55
